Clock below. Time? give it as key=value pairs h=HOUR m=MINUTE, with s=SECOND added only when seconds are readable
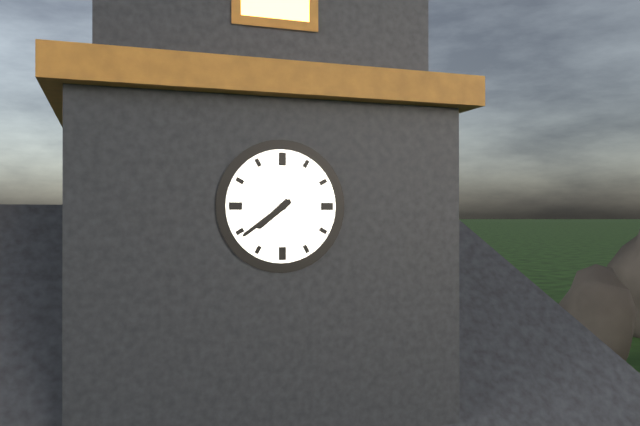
h=7 m=39
